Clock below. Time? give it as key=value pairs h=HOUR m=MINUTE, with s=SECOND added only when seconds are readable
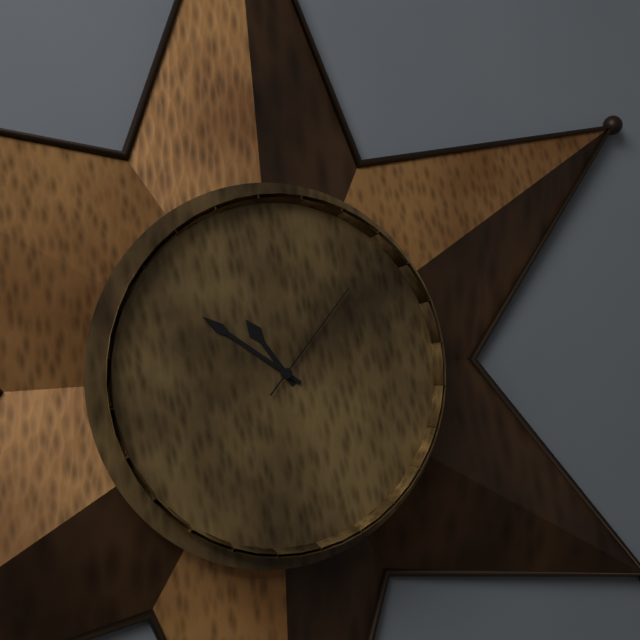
h=10 m=51 s=7
